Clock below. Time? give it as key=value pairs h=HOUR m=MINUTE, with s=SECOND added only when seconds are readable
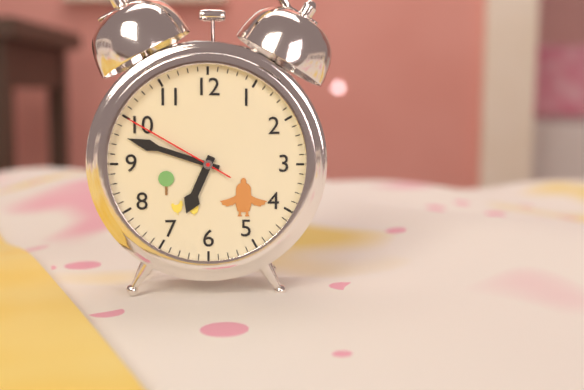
h=6 m=48 s=50
